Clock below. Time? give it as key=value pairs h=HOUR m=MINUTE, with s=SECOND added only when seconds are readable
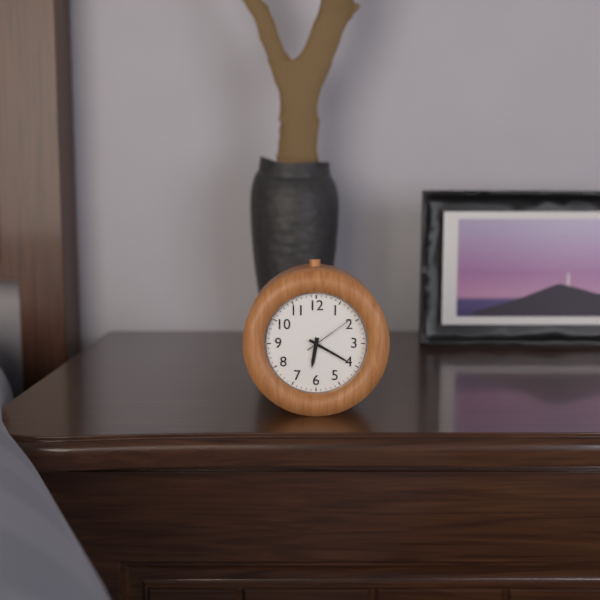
h=6 m=20 s=9
